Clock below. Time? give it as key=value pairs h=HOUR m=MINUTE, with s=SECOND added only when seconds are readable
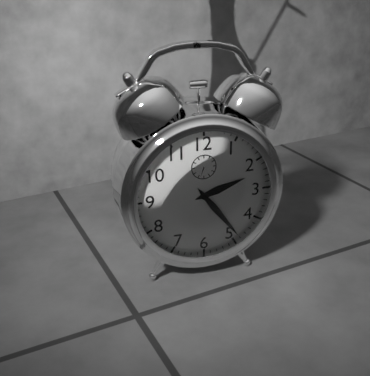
h=2 m=24
